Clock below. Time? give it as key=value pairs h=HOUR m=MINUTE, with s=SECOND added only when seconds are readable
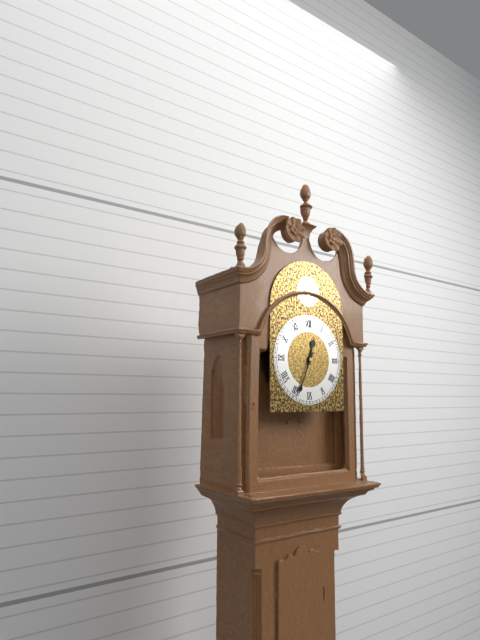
h=12 m=34
